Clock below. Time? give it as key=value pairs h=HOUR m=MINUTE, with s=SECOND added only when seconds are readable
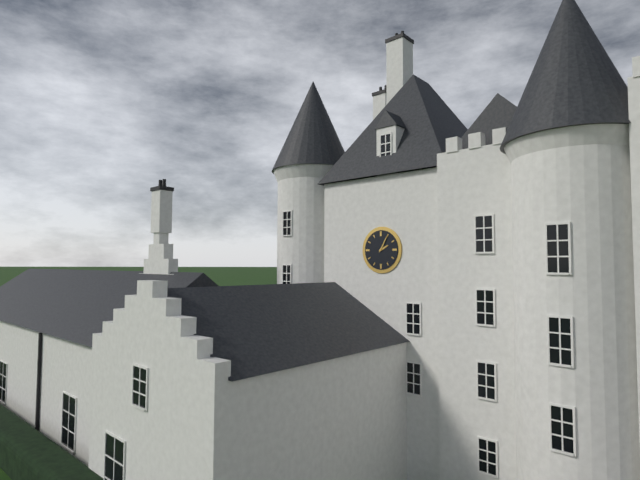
h=2 m=5
